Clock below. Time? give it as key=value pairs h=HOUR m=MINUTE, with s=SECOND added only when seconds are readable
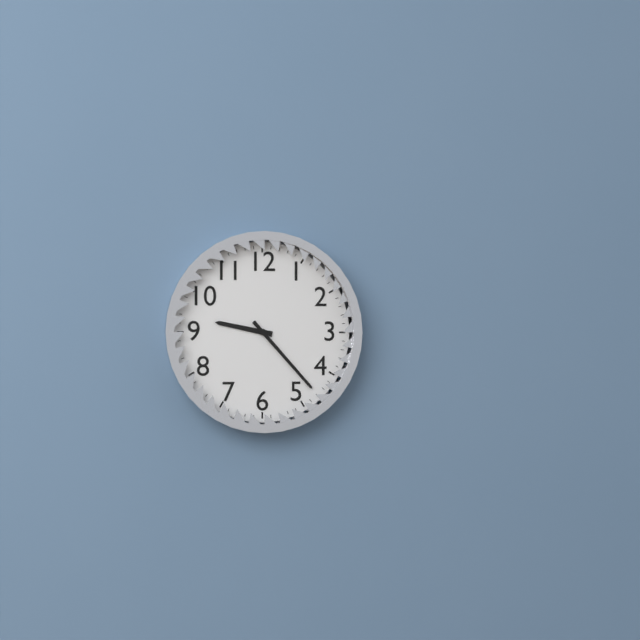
h=9 m=23
